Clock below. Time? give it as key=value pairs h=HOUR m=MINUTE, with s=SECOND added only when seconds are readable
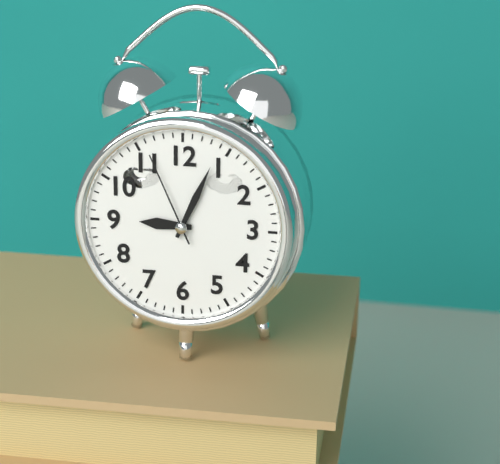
h=9 m=4 s=56
